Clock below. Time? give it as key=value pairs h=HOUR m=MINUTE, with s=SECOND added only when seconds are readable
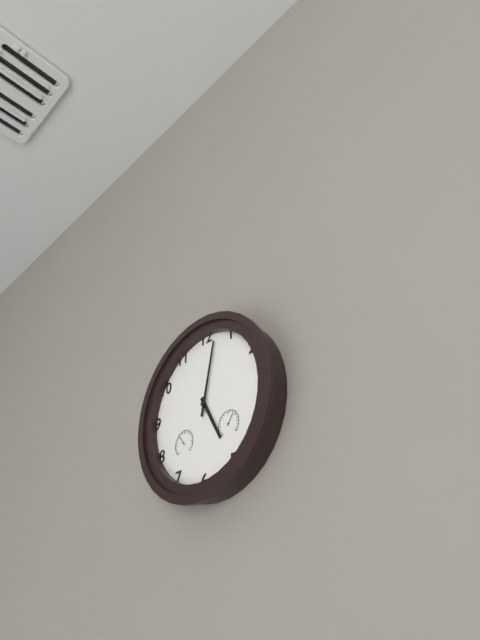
h=5 m=2
